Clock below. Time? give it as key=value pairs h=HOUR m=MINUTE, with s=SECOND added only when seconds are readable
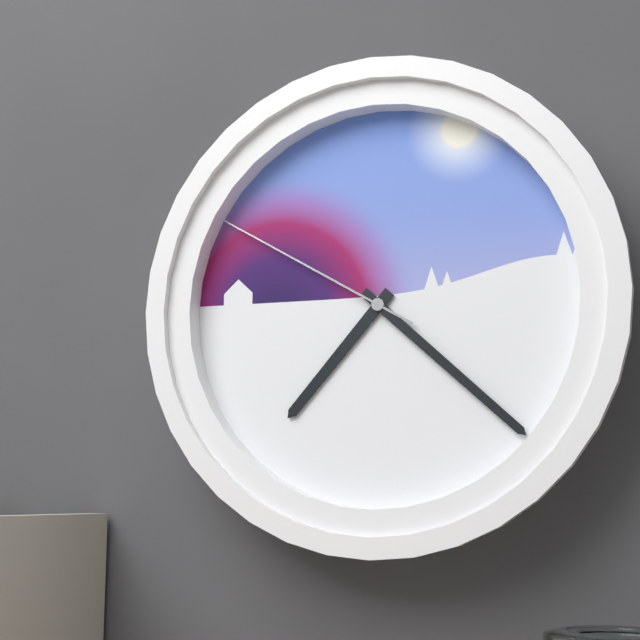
h=7 m=22 s=50
